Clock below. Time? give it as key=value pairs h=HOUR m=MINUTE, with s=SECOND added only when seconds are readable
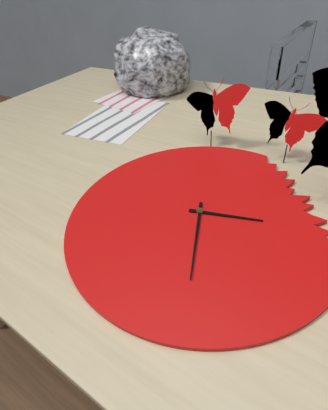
h=2 m=26
